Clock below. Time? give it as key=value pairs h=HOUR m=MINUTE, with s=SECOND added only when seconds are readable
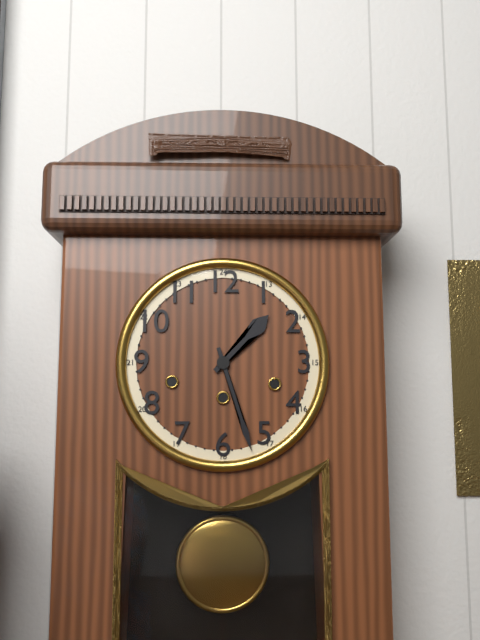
h=1 m=27
